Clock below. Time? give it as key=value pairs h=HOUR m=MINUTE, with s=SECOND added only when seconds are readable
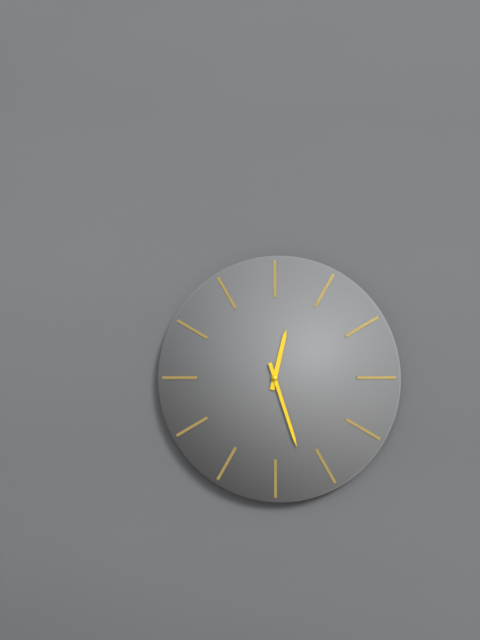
h=12 m=27
